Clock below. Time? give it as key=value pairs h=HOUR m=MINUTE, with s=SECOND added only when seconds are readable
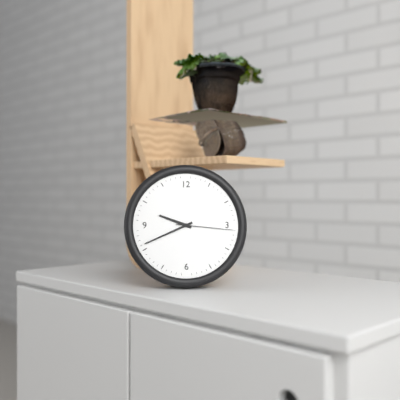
h=9 m=41 s=16
